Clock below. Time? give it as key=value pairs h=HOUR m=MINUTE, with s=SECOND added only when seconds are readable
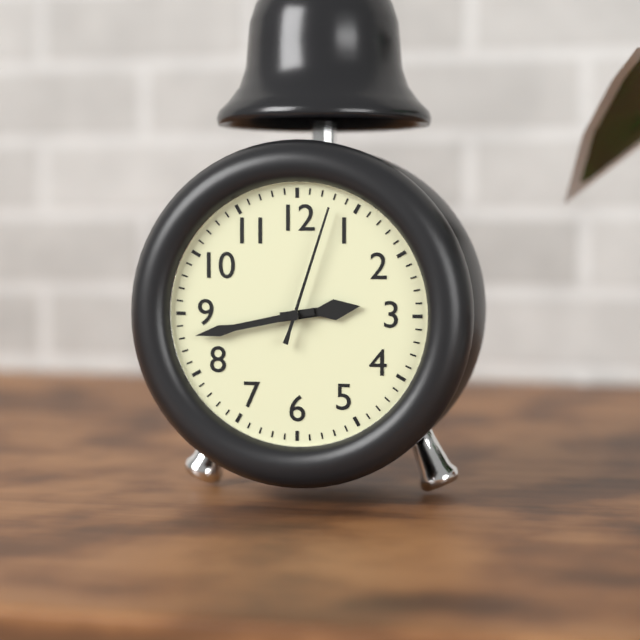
h=2 m=43 s=3
